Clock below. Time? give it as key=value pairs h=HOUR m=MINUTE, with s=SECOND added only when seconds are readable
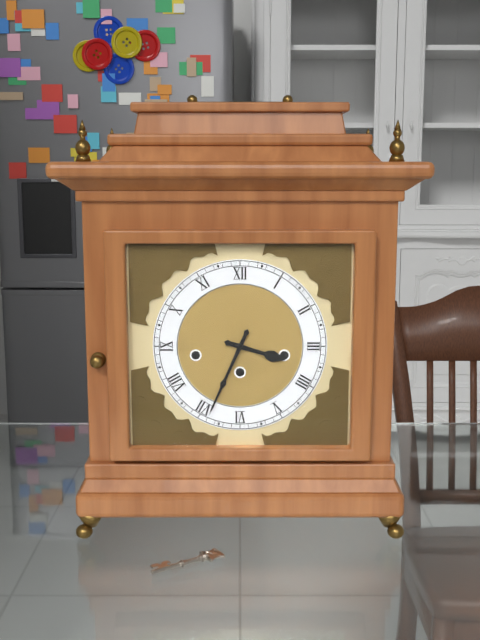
h=3 m=34
